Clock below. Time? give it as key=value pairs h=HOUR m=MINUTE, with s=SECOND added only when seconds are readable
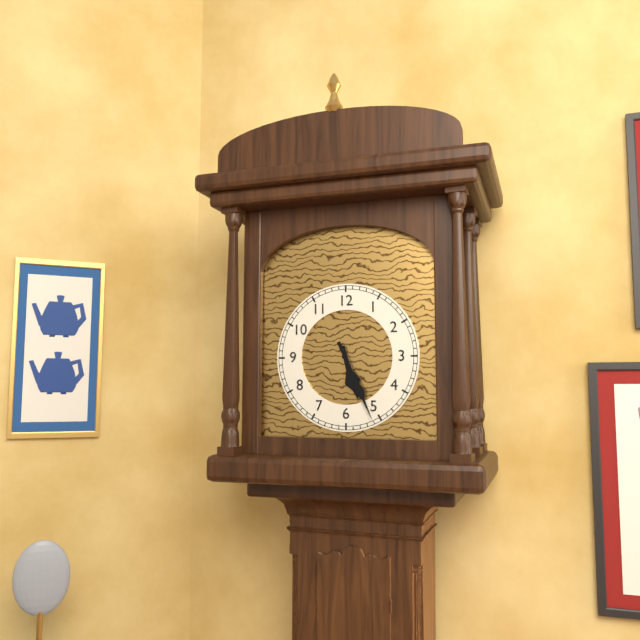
h=5 m=26
